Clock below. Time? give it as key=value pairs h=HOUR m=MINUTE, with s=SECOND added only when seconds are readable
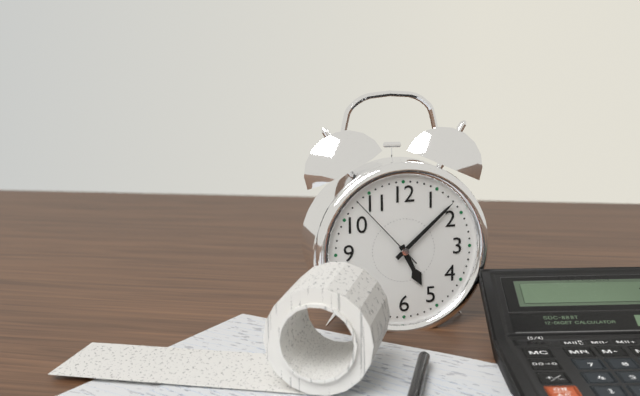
h=5 m=8 s=53
